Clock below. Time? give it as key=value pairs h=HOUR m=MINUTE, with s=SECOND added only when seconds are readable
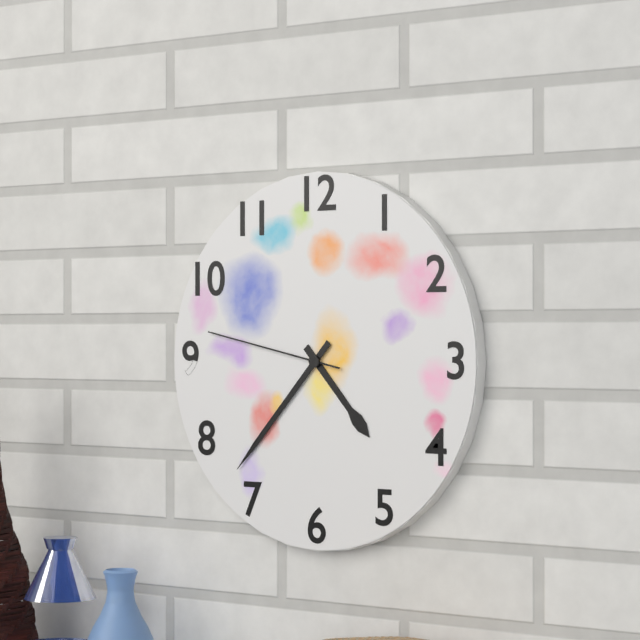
h=4 m=37 s=47
